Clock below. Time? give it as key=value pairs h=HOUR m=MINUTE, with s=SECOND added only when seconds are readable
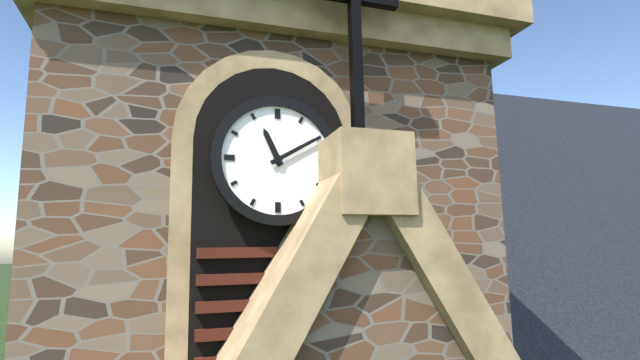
h=11 m=10
